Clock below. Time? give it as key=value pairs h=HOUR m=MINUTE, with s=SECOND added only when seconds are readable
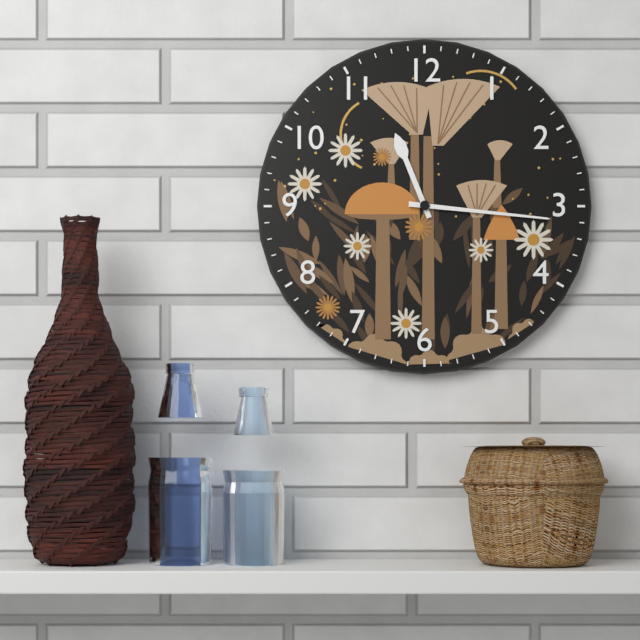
h=11 m=16
